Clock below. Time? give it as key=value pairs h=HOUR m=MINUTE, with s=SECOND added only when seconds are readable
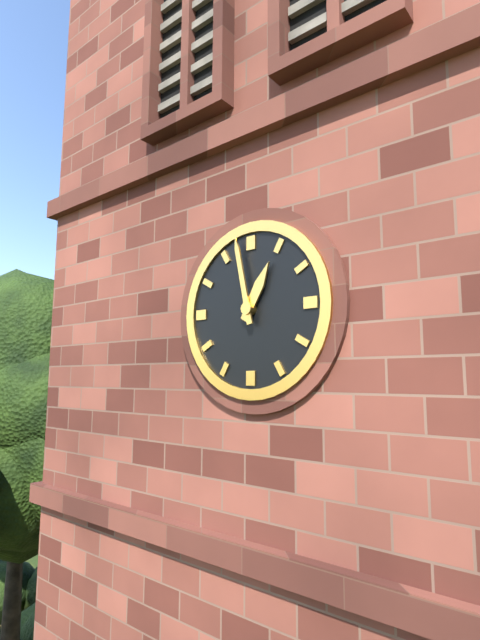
h=12 m=58
